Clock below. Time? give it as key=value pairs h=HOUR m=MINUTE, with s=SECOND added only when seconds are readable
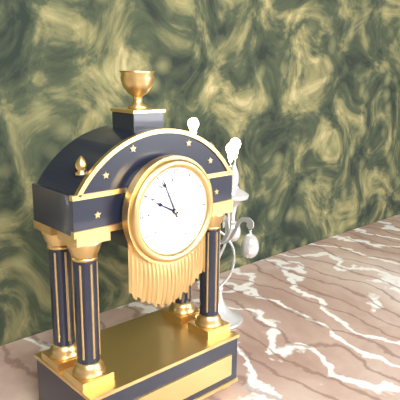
h=9 m=56
